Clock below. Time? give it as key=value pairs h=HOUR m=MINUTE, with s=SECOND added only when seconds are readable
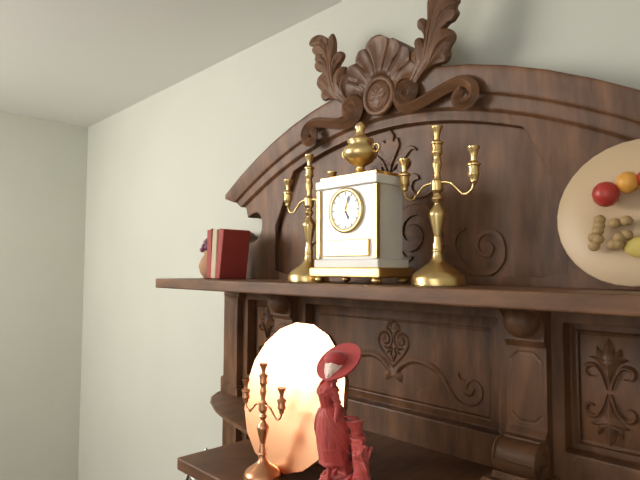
h=5 m=4
